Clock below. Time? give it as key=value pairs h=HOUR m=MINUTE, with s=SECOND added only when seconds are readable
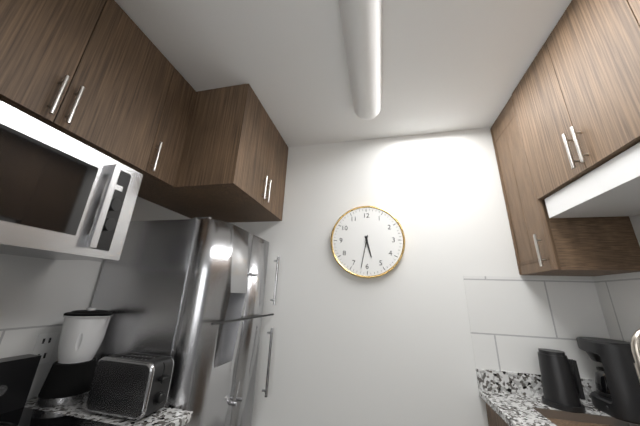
h=5 m=32
